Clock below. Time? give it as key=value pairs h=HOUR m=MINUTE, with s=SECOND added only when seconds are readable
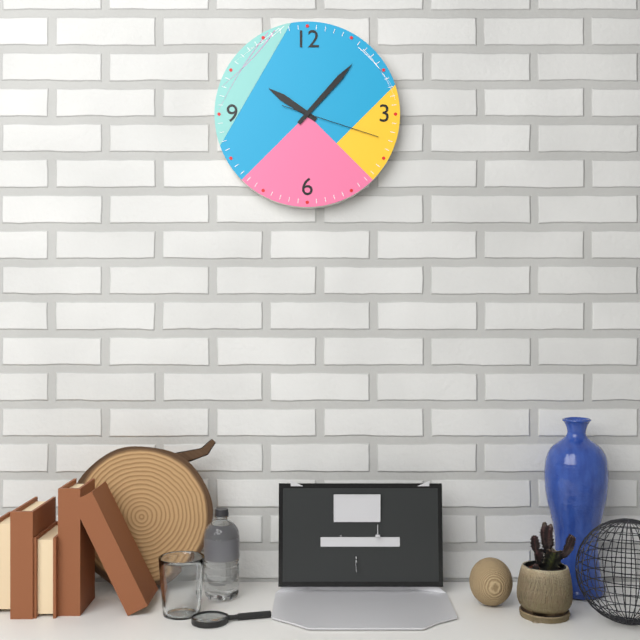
h=10 m=7 s=18
